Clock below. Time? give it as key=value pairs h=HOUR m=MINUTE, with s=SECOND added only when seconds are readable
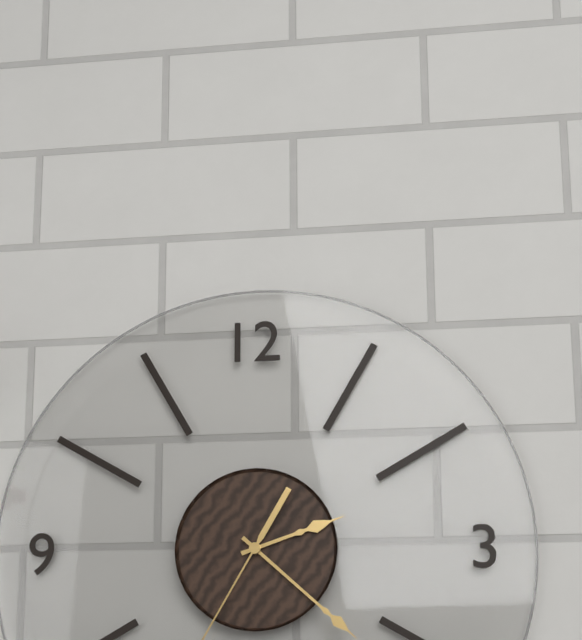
h=2 m=22
